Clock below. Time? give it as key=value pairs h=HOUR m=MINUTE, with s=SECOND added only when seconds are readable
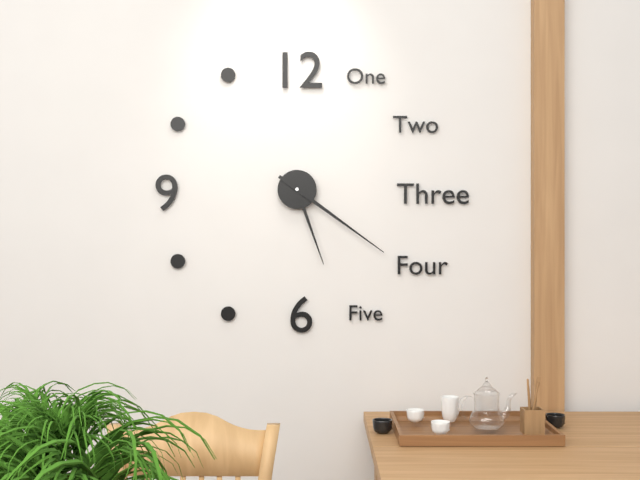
h=5 m=21
